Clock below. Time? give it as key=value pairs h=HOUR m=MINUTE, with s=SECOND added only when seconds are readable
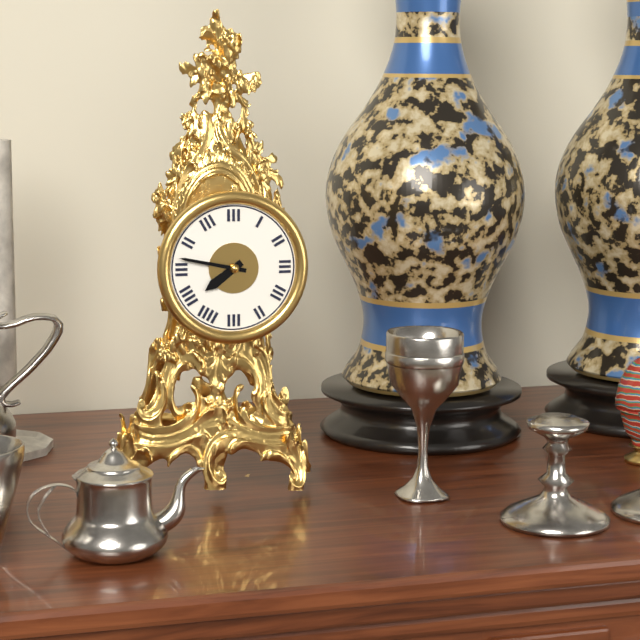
h=7 m=47
